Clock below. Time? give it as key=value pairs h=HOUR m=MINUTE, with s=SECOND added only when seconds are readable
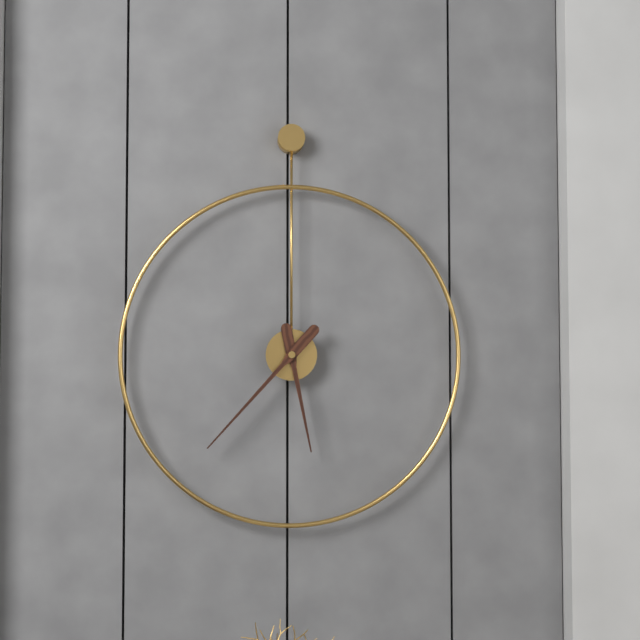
h=5 m=37
